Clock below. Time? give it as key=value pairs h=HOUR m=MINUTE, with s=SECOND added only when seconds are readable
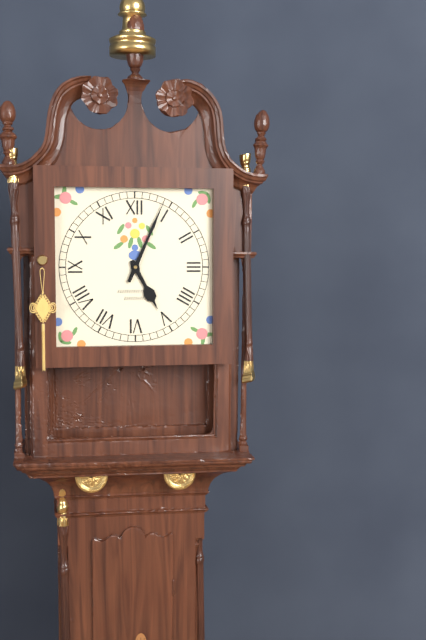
h=5 m=4
